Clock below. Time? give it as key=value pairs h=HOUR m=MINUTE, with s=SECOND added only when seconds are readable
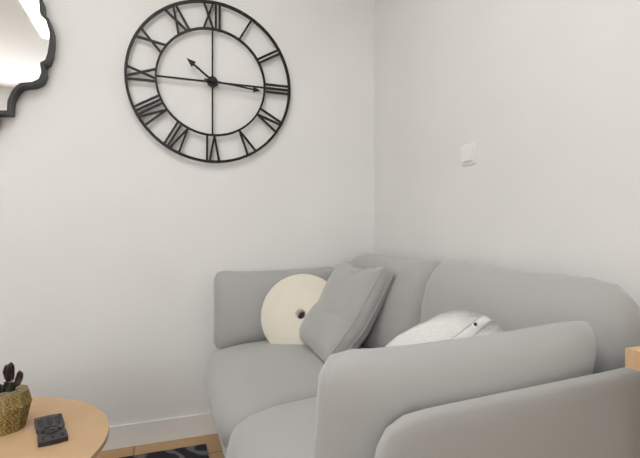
h=10 m=16
